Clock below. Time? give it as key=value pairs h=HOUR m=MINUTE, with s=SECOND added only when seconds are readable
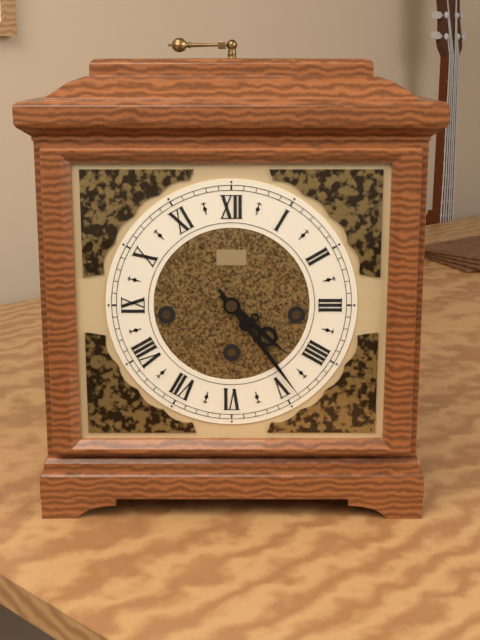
h=4 m=24
